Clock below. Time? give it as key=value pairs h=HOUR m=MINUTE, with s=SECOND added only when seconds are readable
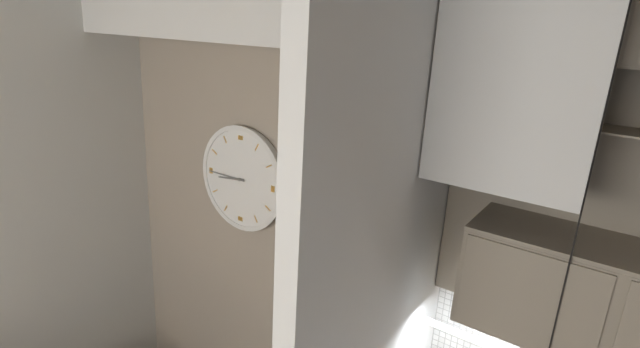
h=8 m=45
